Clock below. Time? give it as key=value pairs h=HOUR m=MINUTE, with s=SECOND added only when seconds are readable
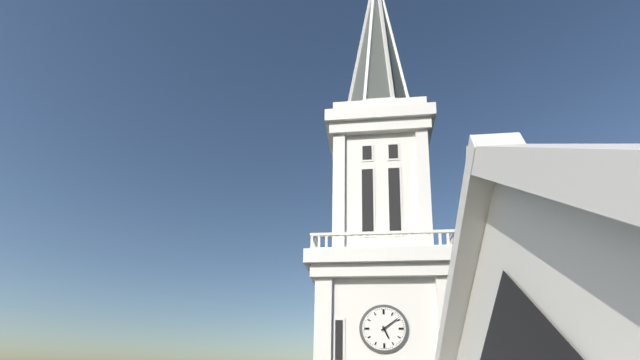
h=5 m=9
